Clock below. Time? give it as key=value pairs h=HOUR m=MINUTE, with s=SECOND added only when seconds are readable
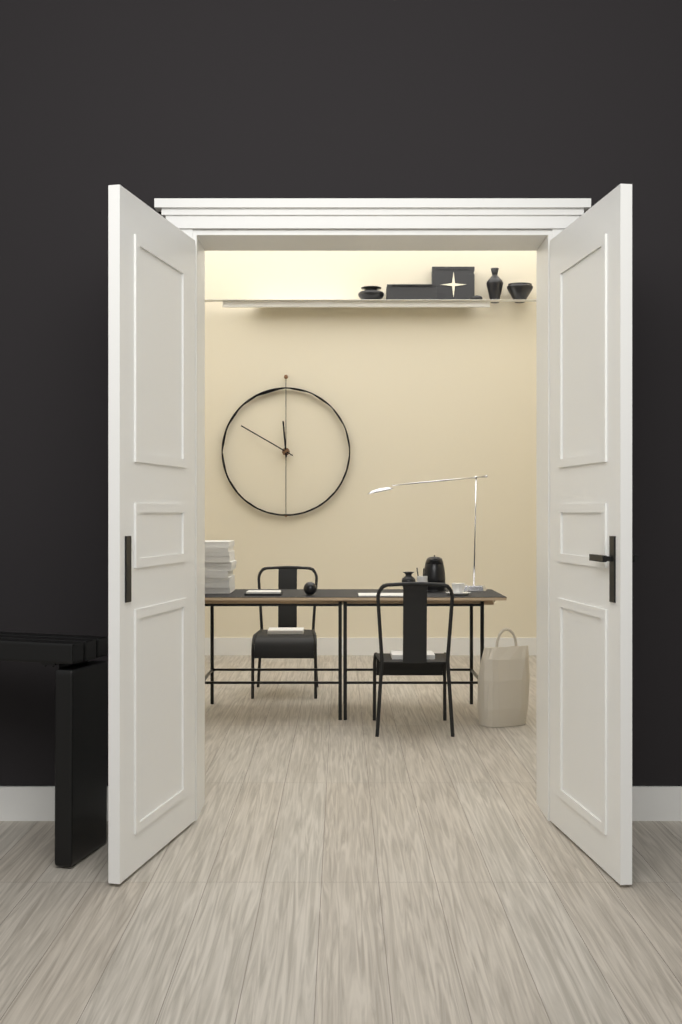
h=11 m=50
